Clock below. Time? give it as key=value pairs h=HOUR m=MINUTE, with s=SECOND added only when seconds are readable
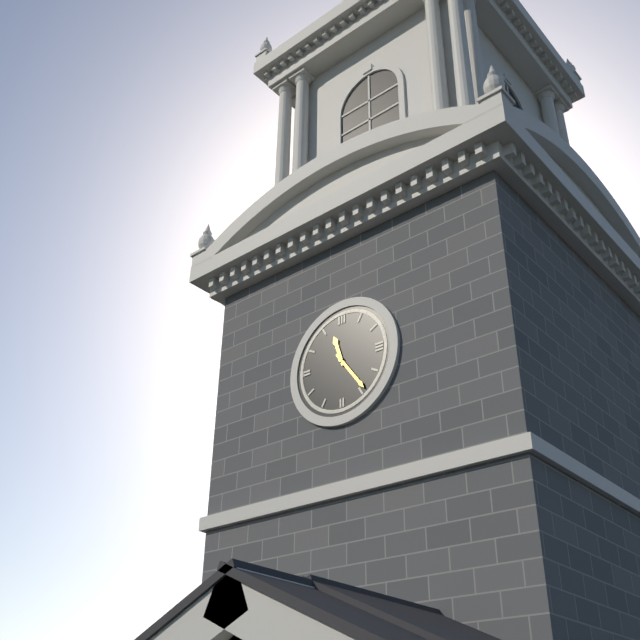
h=11 m=24
